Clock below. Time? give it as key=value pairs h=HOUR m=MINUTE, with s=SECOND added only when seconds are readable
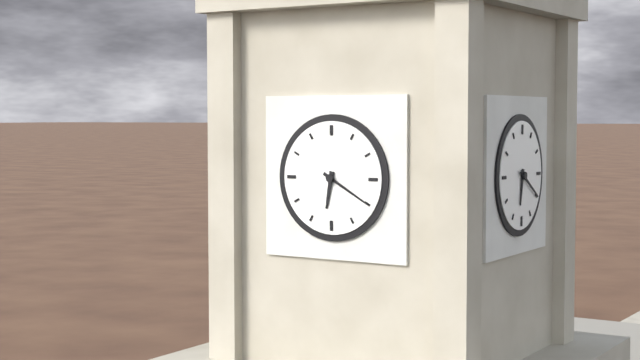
h=6 m=20
